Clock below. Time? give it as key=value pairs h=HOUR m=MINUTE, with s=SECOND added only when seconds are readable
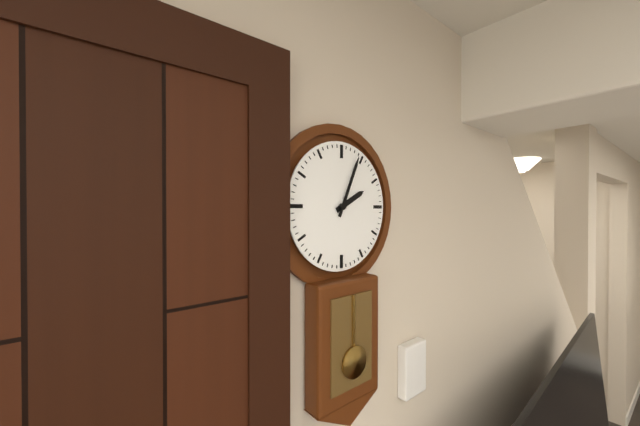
h=2 m=4
